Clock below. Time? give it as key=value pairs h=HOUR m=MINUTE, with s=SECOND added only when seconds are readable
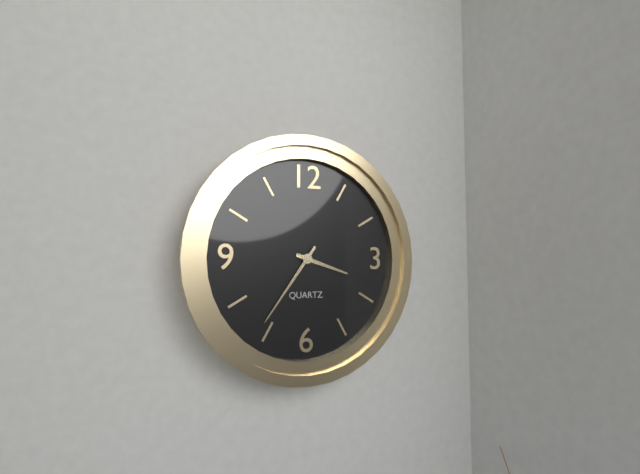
h=3 m=36
